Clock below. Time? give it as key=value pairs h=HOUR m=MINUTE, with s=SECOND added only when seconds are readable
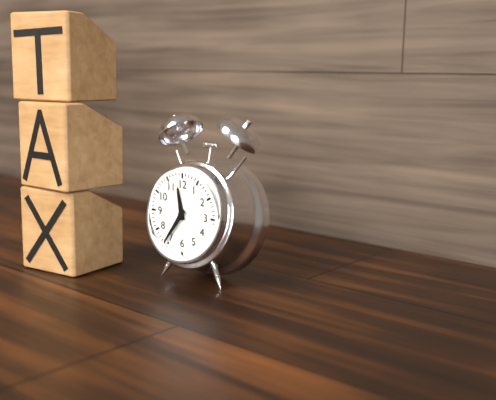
h=11 m=36
